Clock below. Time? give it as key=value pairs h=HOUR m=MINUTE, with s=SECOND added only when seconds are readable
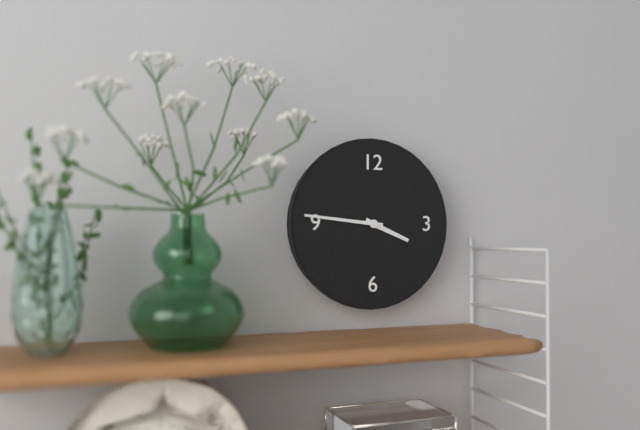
h=3 m=46
